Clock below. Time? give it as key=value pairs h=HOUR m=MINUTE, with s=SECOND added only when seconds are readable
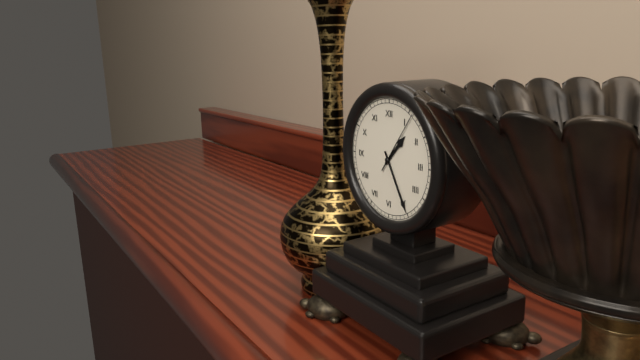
h=1 m=25 s=6
